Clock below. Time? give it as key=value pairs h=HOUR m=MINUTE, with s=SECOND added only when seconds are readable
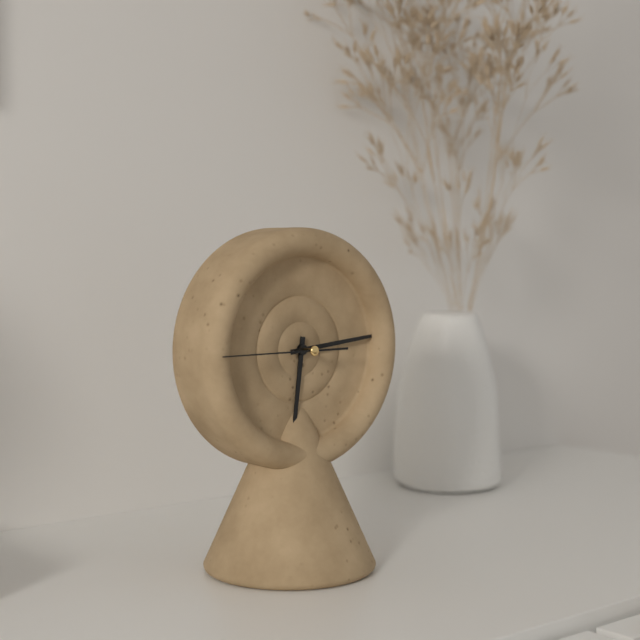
h=6 m=14 s=45
